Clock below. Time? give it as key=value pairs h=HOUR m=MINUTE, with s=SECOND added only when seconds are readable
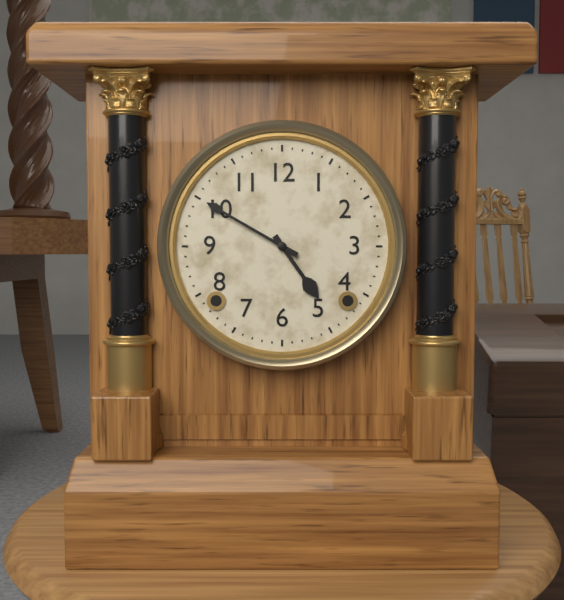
h=4 m=50
